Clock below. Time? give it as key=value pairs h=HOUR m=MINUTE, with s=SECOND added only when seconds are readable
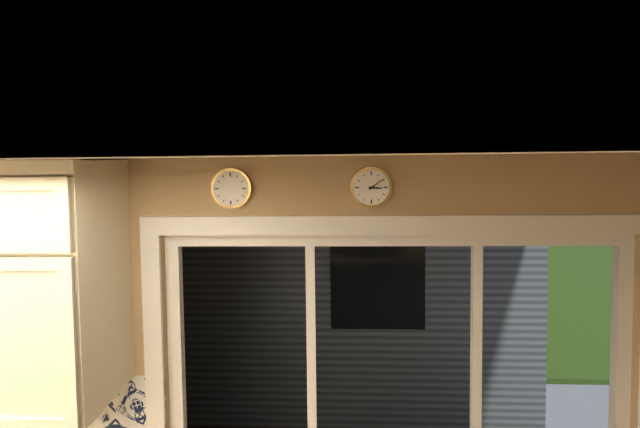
h=3 m=9
